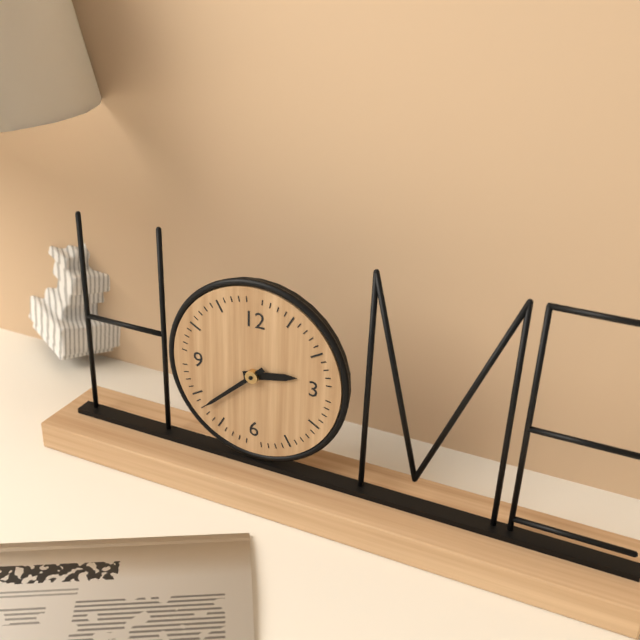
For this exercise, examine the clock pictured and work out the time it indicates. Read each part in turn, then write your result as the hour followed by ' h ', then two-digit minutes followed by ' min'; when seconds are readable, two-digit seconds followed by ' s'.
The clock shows 2 h 38 min
